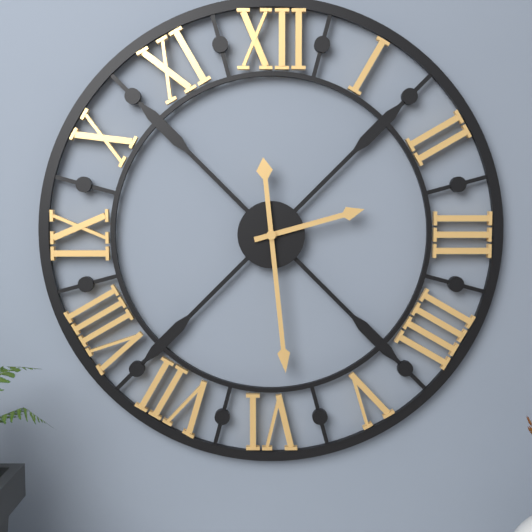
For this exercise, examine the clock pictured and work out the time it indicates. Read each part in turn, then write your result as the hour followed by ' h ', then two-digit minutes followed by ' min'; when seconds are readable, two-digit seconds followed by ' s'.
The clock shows 2 h 29 min
